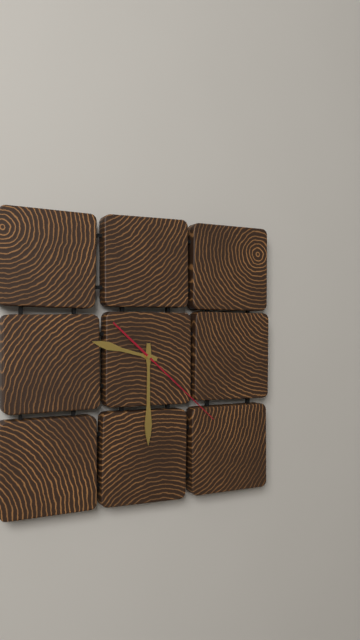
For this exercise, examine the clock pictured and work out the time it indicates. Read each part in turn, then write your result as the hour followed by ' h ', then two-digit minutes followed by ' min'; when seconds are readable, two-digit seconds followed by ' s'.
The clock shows 9 h 30 min 22 s
